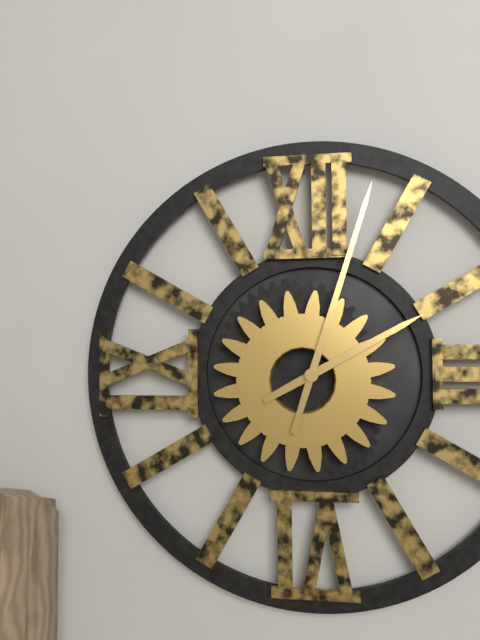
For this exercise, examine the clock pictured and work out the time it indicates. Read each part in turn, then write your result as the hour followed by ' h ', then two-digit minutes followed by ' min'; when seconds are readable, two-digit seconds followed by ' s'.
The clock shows 2 h 03 min
